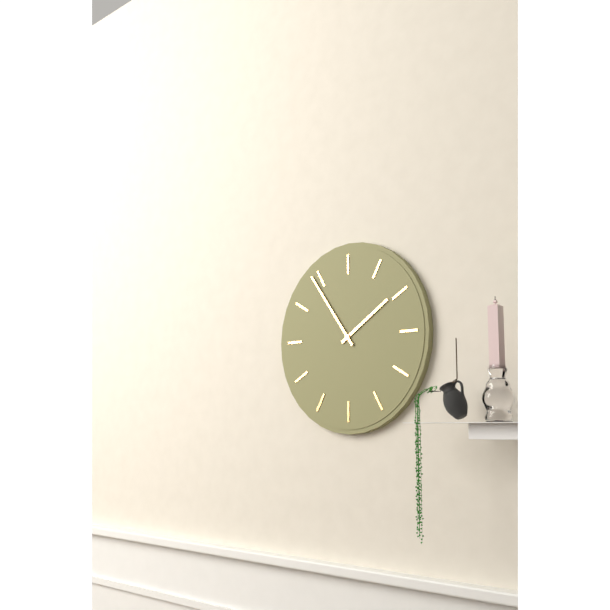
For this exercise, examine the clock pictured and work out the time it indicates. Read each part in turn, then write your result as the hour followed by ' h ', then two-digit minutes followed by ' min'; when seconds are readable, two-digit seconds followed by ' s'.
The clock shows 1 h 54 min
